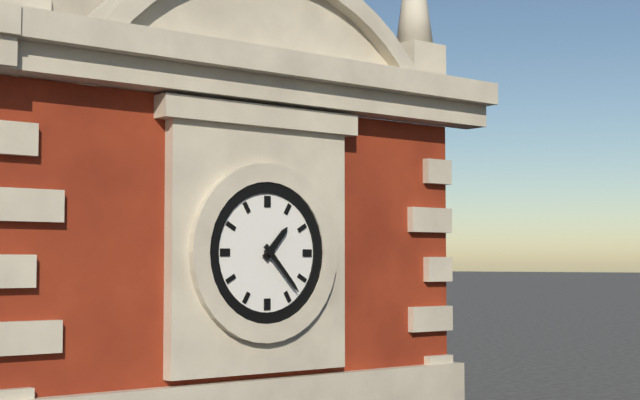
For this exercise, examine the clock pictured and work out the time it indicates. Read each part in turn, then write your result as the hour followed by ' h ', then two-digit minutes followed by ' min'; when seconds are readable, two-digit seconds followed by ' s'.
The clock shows 1 h 23 min
